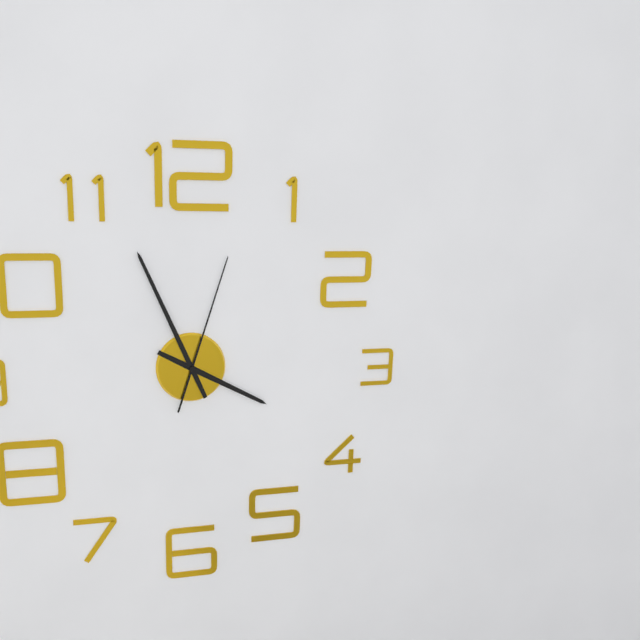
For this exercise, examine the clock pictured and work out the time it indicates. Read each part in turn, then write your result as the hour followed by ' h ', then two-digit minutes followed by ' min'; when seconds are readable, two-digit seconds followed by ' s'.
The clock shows 3 h 56 min 03 s
